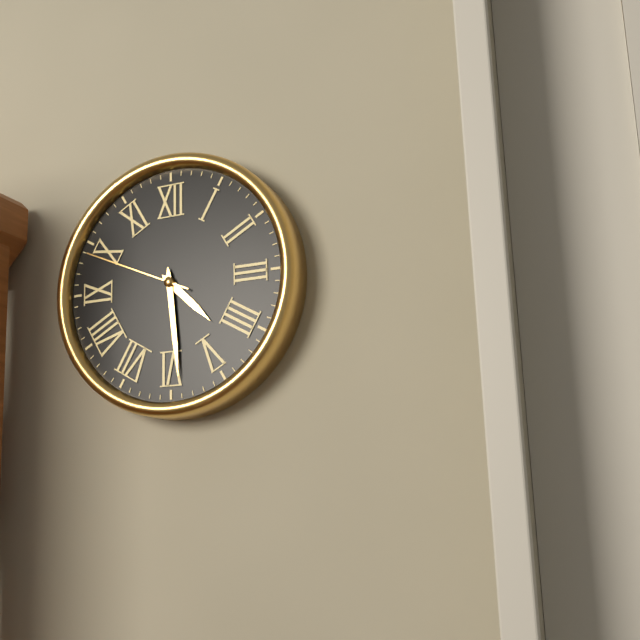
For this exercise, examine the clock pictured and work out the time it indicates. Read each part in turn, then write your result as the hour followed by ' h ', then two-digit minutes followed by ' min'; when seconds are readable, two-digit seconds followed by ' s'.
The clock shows 4 h 29 min 49 s
